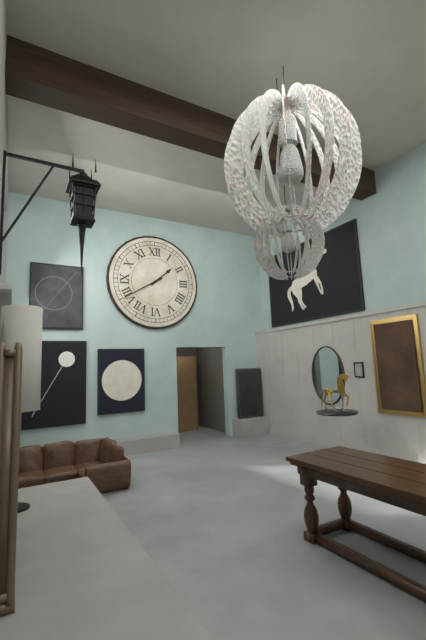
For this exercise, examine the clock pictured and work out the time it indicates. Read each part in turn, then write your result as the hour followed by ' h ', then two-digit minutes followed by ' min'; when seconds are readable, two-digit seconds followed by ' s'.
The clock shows 1 h 40 min
